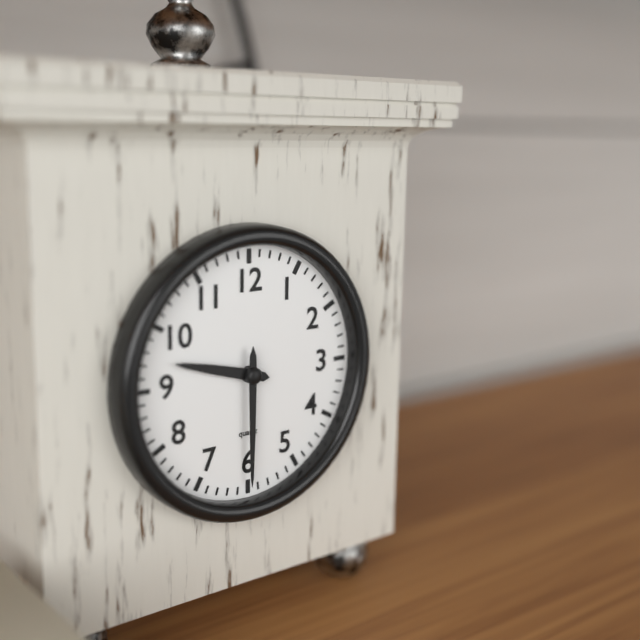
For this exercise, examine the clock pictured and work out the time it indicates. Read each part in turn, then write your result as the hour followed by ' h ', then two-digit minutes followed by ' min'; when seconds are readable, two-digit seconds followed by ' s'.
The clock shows 9 h 30 min
